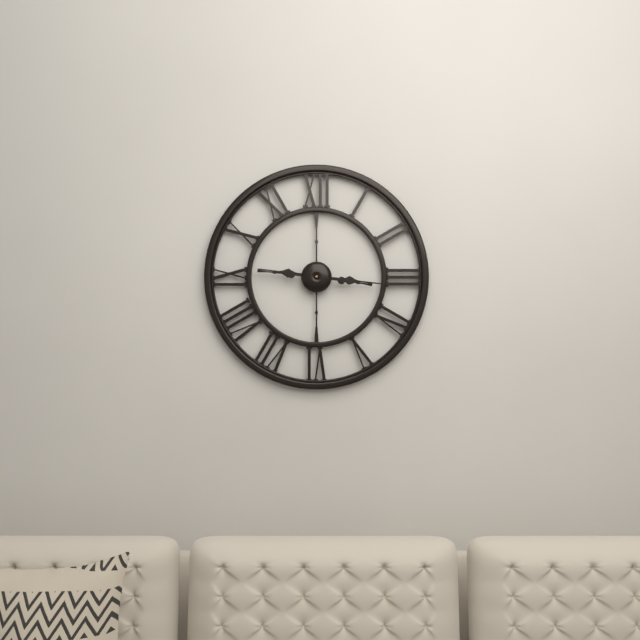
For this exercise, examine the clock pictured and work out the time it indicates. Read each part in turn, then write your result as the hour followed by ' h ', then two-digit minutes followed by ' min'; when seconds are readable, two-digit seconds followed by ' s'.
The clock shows 9 h 16 min
